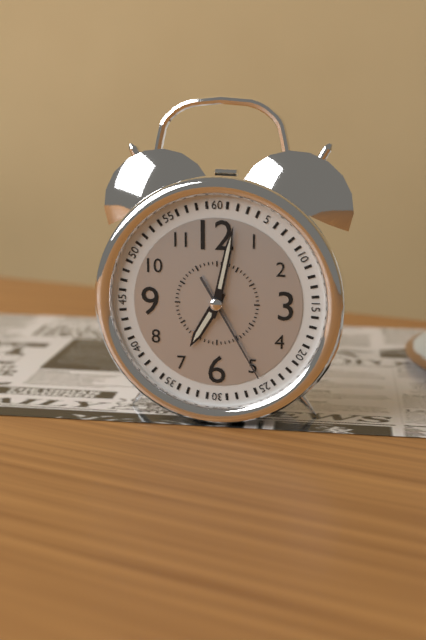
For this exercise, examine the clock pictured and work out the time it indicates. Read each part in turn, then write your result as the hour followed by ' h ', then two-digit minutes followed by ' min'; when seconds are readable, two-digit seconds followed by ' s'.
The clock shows 7 h 02 min 25 s
